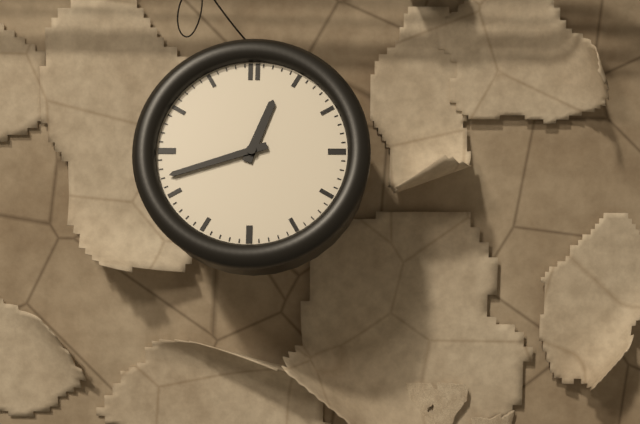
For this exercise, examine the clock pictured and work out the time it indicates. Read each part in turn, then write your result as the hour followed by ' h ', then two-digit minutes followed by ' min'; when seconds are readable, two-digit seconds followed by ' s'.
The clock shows 12 h 42 min
